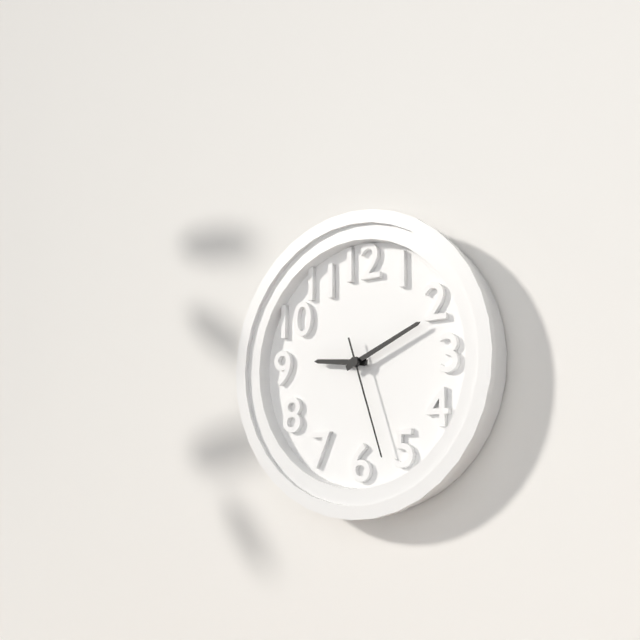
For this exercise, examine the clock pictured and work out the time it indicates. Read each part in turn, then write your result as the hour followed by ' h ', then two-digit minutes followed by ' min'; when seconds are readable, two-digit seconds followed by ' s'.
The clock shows 9 h 11 min 27 s
